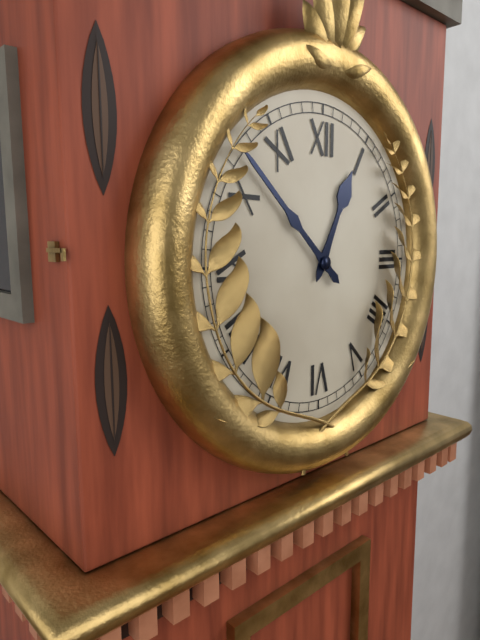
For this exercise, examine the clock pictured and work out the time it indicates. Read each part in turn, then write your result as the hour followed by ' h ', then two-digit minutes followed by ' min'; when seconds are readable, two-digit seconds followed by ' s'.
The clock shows 12 h 52 min
